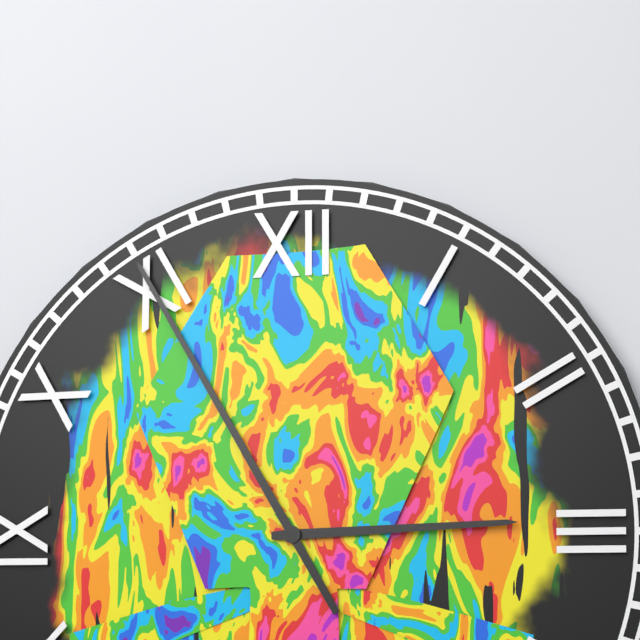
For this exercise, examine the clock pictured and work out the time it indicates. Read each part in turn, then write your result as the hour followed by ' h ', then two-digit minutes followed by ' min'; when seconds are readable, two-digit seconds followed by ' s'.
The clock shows 2 h 55 min
